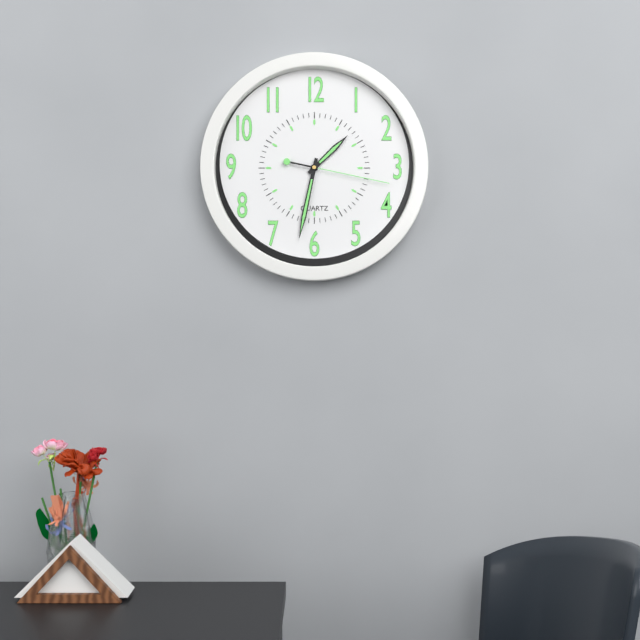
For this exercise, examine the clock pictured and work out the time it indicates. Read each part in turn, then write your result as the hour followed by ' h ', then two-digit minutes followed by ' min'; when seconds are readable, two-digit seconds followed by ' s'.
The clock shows 1 h 32 min 17 s
